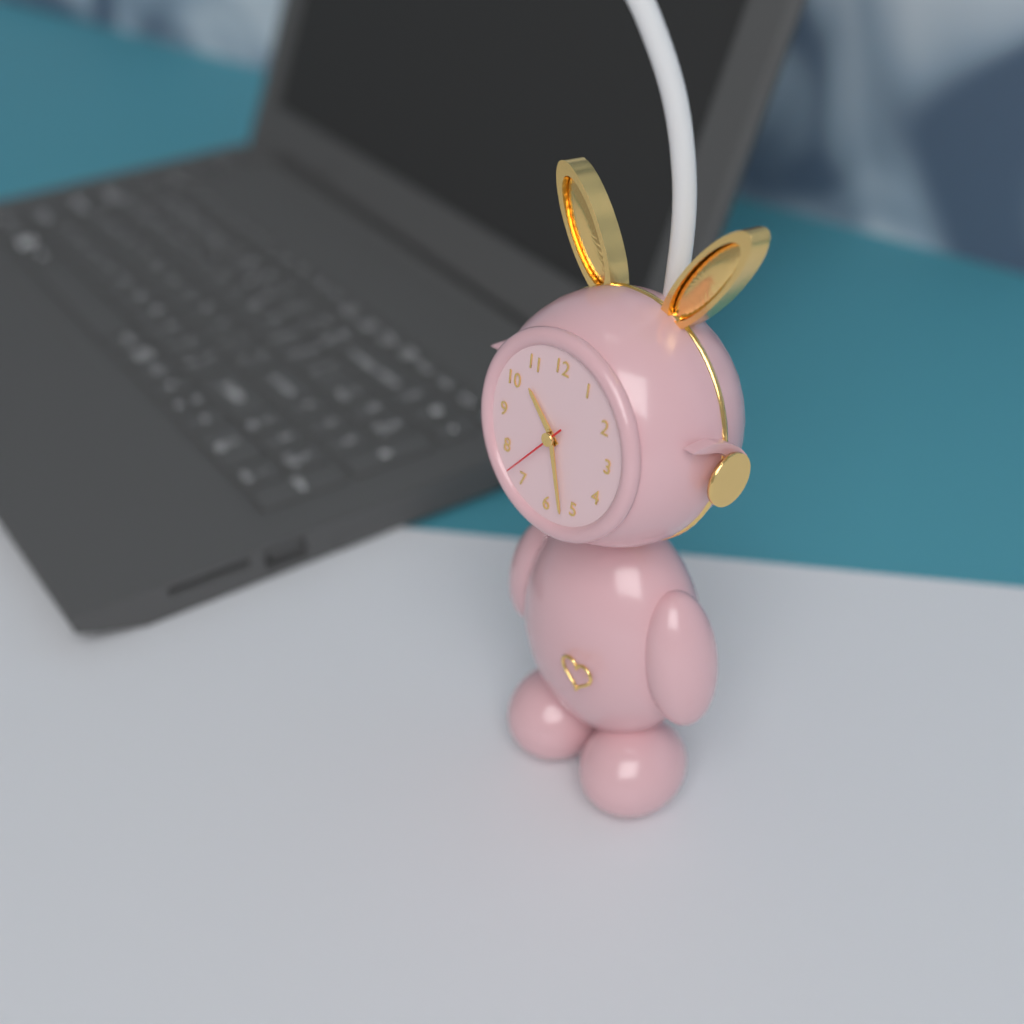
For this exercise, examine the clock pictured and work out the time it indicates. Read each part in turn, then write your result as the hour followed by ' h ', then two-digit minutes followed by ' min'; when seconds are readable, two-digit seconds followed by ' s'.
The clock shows 10 h 27 min 37 s
